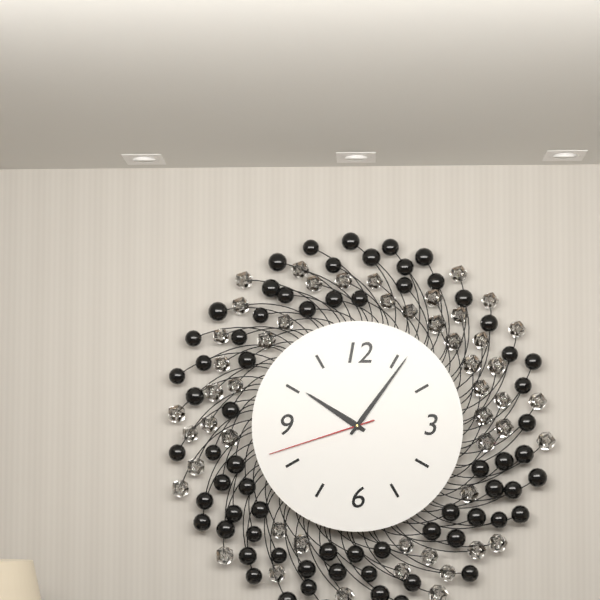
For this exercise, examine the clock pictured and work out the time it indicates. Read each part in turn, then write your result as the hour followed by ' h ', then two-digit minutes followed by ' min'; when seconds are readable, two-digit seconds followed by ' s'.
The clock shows 10 h 06 min 42 s
